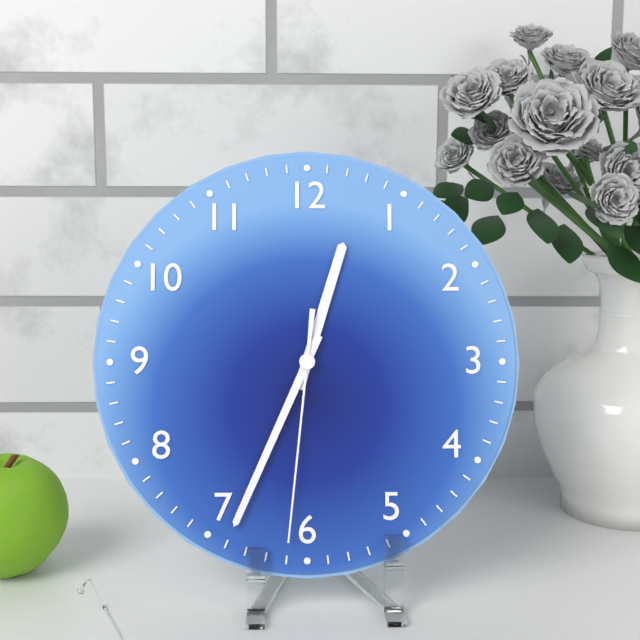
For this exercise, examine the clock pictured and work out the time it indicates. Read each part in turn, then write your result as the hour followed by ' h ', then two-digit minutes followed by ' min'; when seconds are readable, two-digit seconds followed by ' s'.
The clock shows 12 h 34 min 31 s
